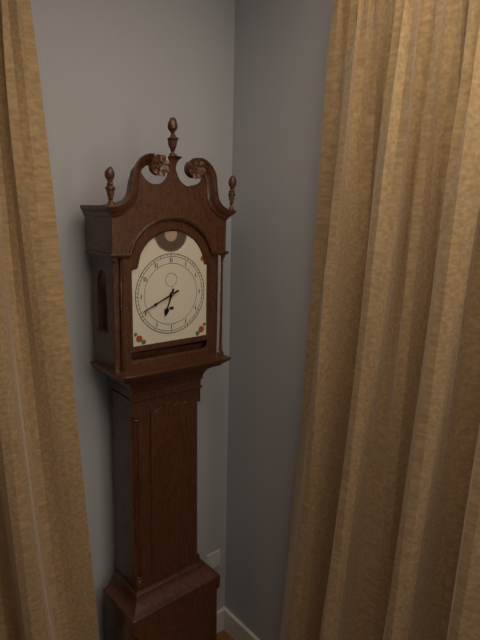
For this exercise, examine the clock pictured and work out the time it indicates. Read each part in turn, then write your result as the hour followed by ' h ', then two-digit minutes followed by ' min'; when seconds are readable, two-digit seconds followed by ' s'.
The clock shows 6 h 41 min
